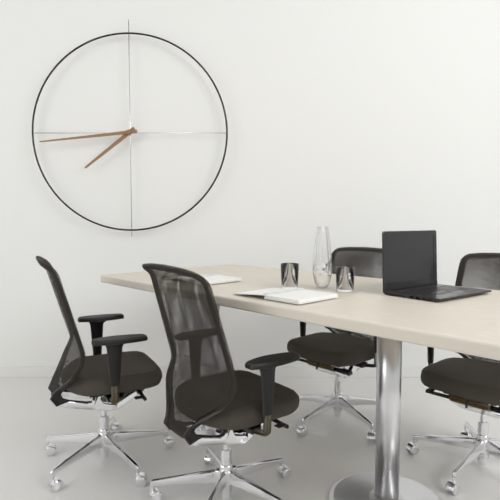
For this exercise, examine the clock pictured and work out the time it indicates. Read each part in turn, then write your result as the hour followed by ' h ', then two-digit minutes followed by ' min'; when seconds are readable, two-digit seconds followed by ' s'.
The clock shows 7 h 44 min
